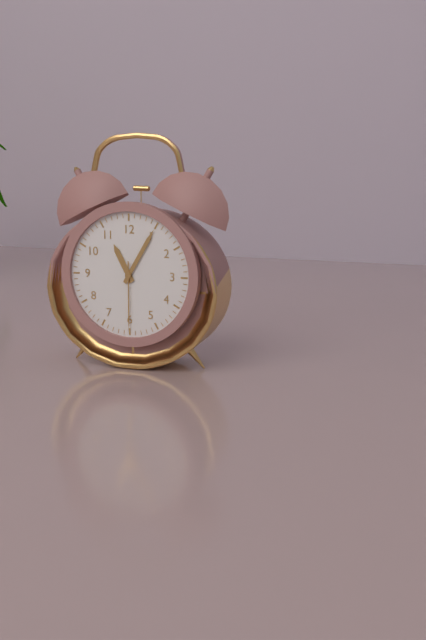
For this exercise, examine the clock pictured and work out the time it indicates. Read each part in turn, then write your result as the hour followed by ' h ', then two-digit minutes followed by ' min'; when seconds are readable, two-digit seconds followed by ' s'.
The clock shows 11 h 05 min 30 s
